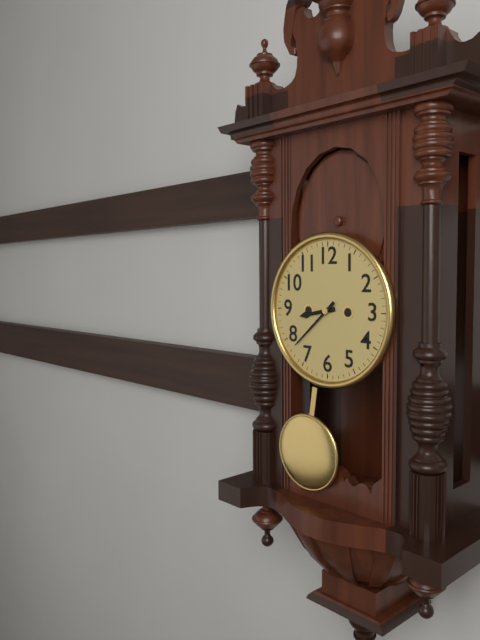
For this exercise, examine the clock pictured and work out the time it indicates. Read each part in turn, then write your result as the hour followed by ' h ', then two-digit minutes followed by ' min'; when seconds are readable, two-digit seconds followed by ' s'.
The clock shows 8 h 38 min
